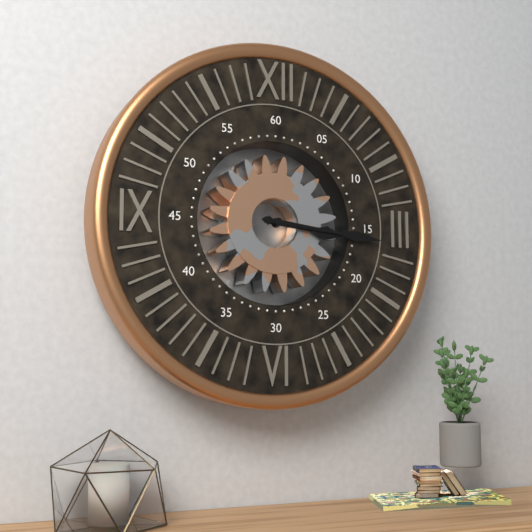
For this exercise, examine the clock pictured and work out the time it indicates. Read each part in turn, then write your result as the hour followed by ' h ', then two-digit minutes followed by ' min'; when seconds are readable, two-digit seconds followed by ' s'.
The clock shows 3 h 16 min
